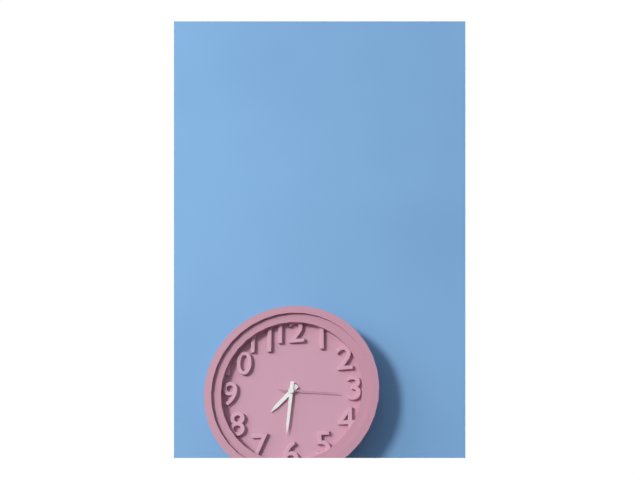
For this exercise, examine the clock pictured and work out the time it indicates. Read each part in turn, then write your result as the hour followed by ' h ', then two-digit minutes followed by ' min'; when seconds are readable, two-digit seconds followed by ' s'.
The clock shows 7 h 31 min 16 s
